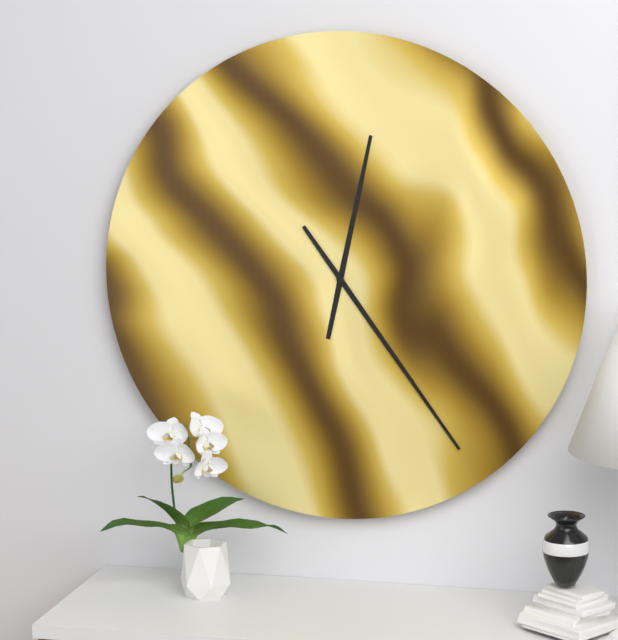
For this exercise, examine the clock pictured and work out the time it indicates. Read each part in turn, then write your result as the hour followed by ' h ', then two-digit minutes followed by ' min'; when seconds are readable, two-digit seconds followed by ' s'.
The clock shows 12 h 24 min
